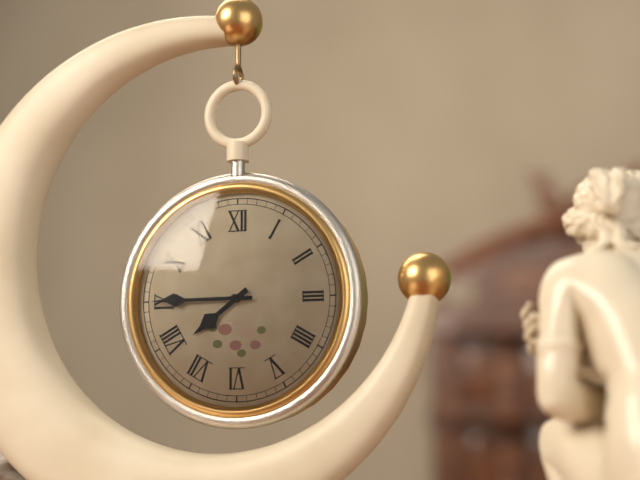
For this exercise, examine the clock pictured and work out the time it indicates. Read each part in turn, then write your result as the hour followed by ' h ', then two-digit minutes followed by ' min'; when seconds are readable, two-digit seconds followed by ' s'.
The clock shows 7 h 45 min
